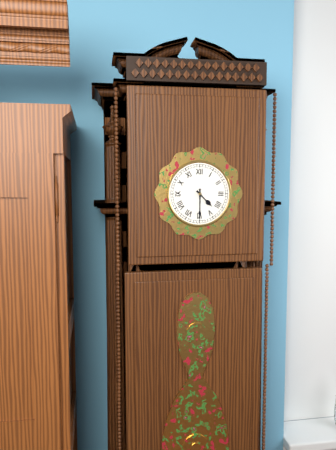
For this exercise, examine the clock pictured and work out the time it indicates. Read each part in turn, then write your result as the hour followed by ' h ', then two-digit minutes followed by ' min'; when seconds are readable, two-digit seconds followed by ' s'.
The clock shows 4 h 30 min
